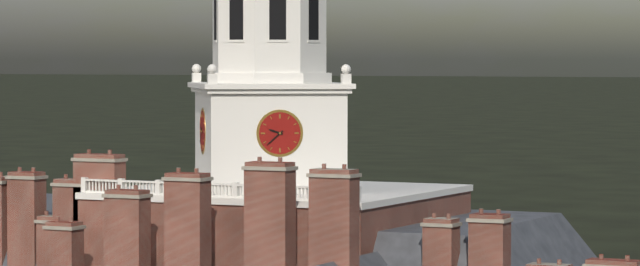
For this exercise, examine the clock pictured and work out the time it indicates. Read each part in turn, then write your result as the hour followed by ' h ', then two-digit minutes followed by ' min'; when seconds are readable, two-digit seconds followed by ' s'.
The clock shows 9 h 38 min
